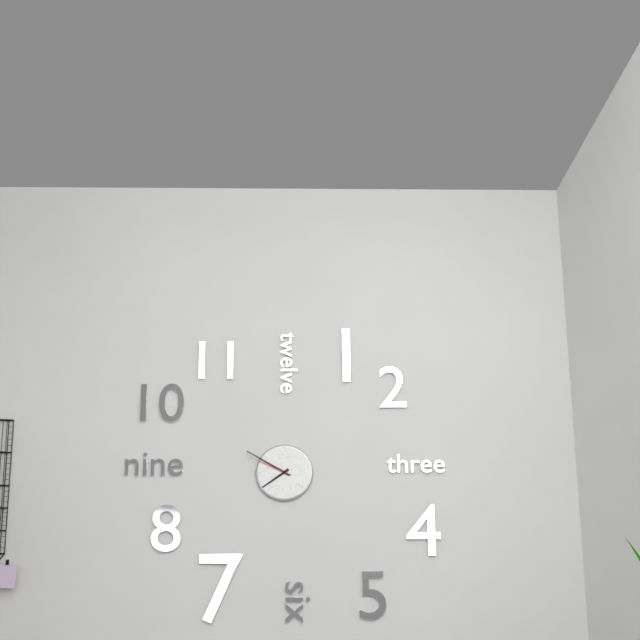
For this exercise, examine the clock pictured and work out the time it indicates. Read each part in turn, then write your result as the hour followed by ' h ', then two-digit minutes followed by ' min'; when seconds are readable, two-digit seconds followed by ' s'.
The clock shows 7 h 50 min
